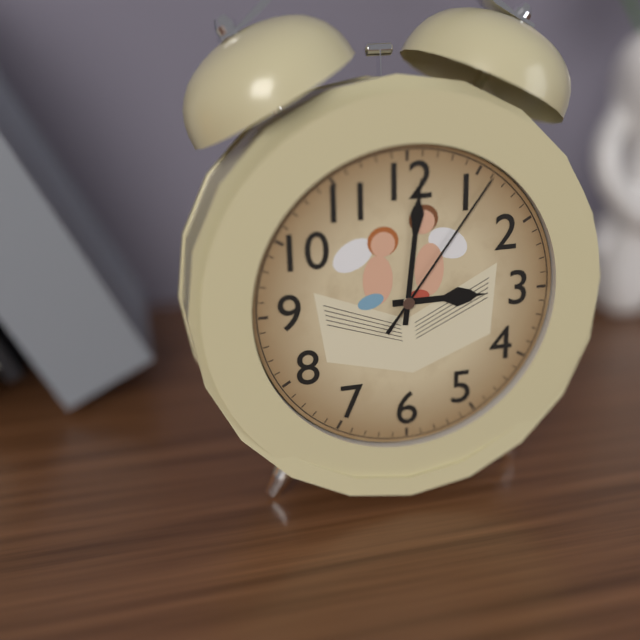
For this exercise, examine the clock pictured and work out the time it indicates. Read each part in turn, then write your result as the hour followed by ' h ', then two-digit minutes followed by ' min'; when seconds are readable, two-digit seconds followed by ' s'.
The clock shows 3 h 01 min 06 s
